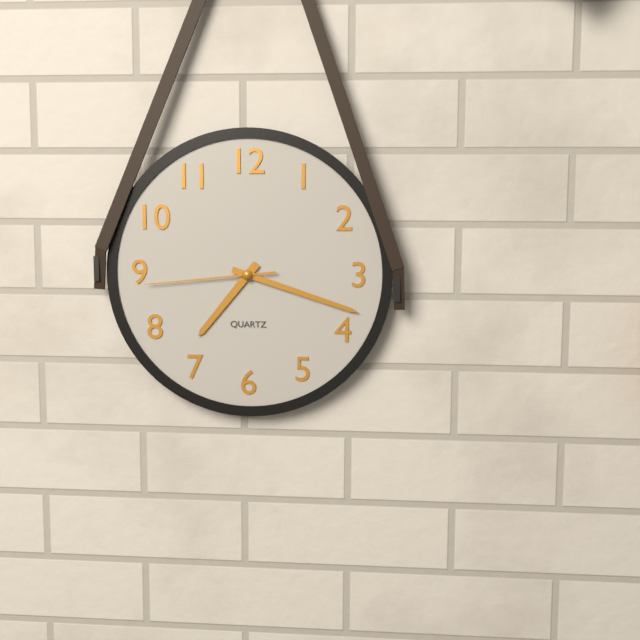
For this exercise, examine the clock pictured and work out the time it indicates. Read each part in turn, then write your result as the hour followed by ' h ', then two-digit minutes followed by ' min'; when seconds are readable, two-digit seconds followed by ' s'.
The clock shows 7 h 18 min 44 s
